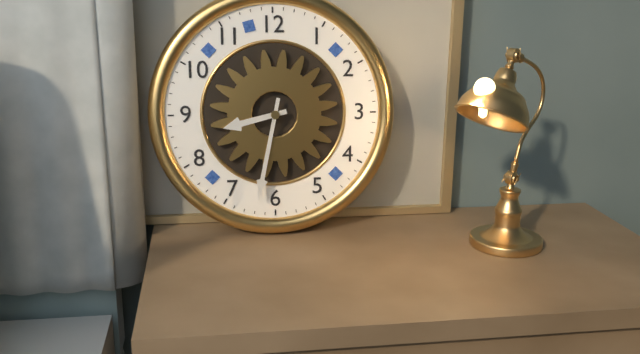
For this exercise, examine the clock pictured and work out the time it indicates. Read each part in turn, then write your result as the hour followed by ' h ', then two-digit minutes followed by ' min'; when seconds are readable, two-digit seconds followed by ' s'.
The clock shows 8 h 32 min
